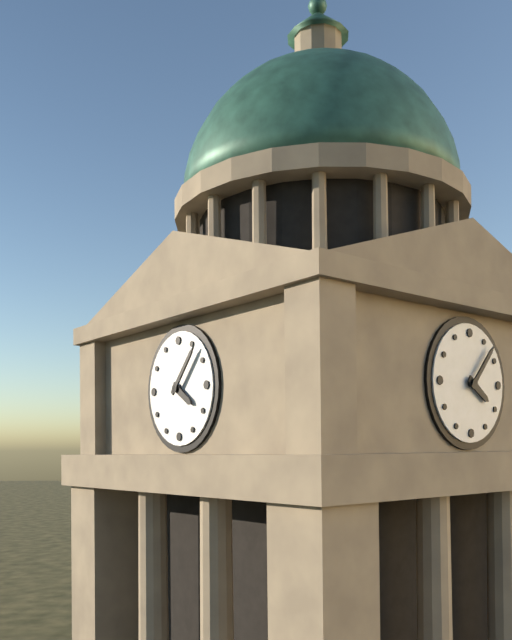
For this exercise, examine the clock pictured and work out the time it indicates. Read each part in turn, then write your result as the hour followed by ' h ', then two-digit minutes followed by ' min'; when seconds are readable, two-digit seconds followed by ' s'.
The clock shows 4 h 07 min
